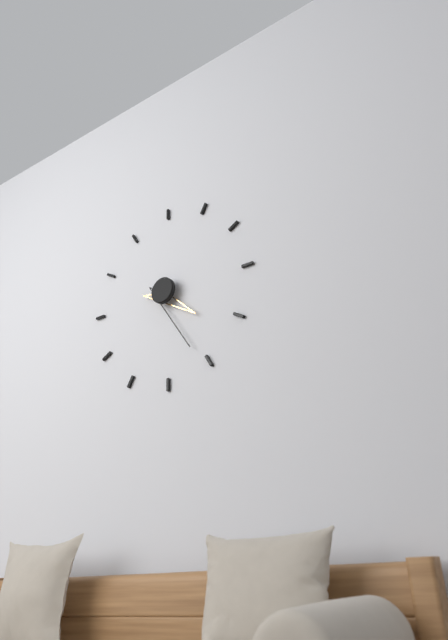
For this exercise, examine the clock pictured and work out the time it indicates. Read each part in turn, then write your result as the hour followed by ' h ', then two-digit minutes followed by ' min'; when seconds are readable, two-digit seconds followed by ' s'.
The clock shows 4 h 26 min
